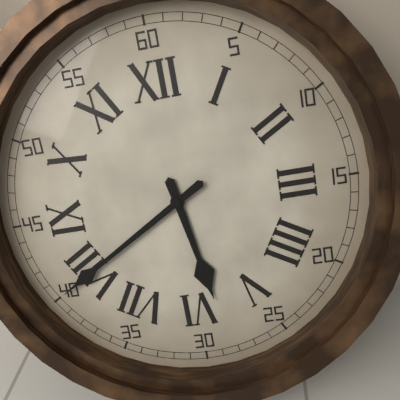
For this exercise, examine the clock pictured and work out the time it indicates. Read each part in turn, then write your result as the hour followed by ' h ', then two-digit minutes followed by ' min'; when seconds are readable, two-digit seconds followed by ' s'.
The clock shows 5 h 40 min
